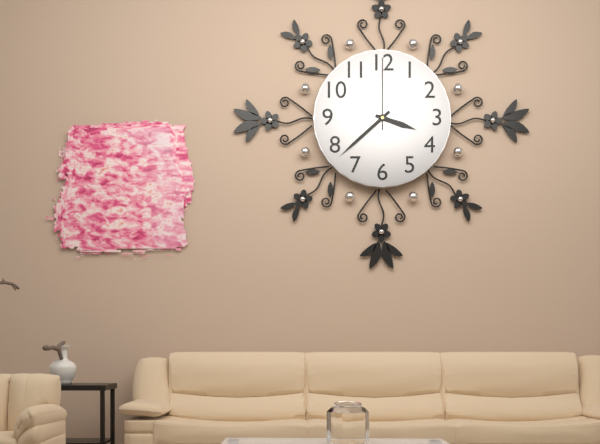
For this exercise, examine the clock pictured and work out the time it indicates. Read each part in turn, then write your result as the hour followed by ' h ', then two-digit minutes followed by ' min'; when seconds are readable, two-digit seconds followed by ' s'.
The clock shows 3 h 38 min 00 s
